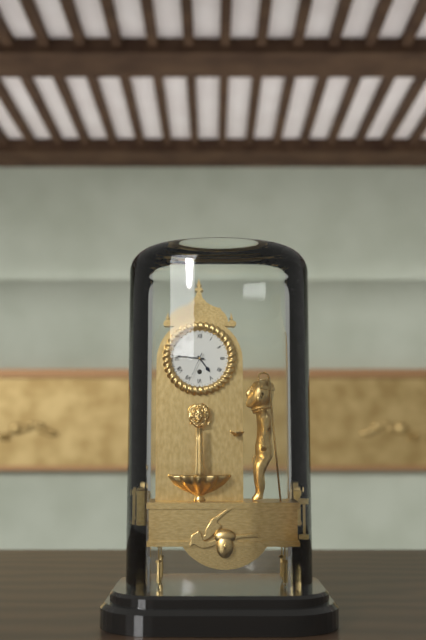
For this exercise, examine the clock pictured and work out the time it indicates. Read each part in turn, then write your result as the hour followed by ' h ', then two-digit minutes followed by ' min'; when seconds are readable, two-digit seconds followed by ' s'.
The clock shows 4 h 46 min
